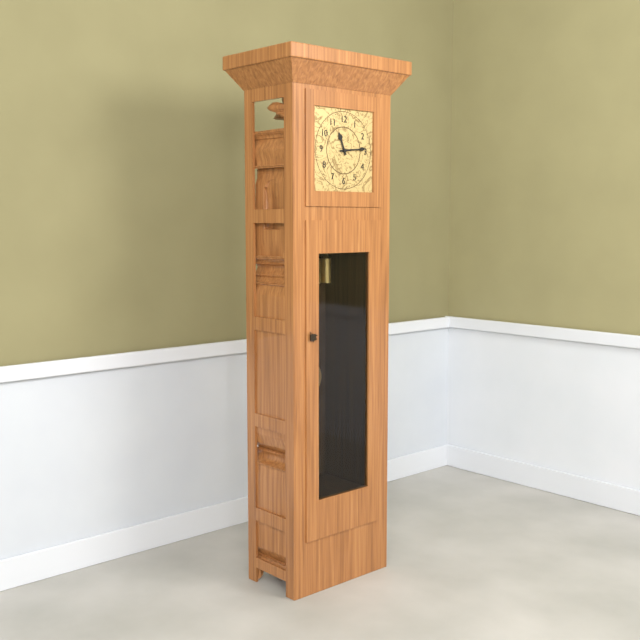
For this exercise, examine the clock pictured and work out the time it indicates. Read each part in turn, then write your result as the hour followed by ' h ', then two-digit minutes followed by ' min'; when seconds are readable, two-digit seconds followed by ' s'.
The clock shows 11 h 14 min
